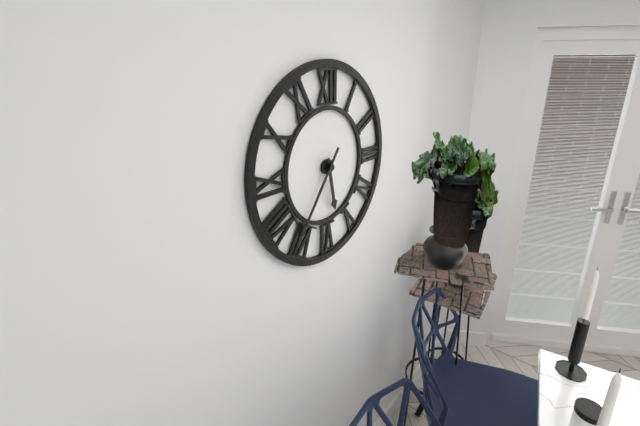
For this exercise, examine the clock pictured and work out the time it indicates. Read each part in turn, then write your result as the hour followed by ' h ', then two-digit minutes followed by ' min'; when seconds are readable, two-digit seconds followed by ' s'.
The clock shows 5 h 36 min
